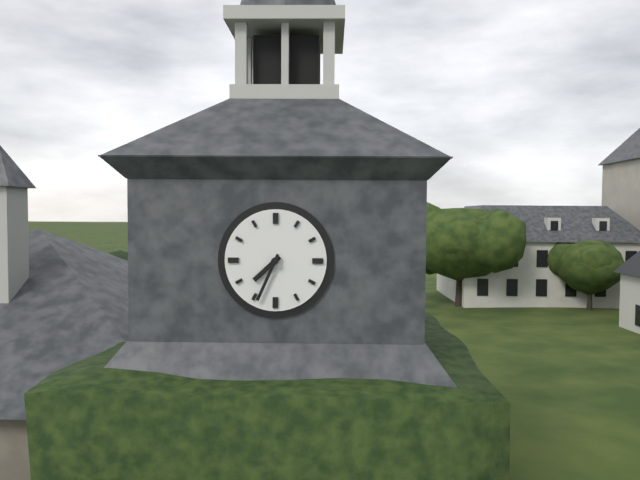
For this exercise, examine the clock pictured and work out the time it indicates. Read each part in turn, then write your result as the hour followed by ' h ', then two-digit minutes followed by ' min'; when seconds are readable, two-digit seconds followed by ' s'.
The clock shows 7 h 34 min
